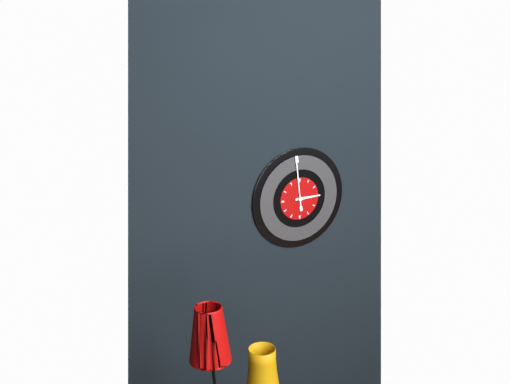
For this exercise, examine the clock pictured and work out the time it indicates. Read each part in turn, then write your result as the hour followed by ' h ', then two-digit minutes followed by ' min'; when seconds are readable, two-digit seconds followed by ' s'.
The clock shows 2 h 59 min
